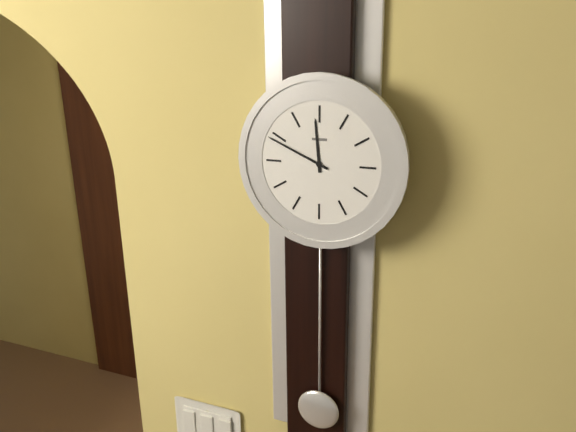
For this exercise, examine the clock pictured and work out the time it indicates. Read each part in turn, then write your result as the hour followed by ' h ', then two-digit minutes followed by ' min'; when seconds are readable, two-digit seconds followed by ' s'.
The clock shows 11 h 49 min
